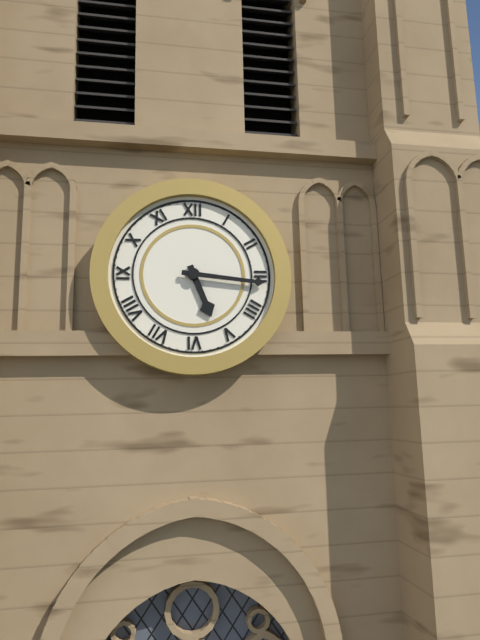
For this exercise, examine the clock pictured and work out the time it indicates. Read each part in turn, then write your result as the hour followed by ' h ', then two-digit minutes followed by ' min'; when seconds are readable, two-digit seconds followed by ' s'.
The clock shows 5 h 16 min
